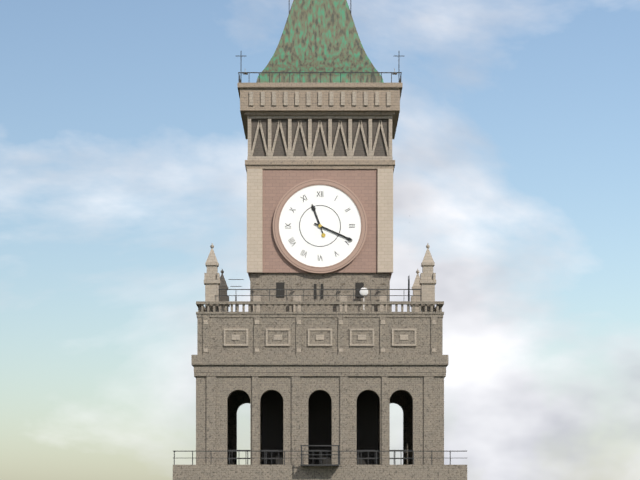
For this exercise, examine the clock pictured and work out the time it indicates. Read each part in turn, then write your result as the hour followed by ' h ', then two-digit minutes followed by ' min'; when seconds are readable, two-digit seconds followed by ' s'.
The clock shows 11 h 19 min
